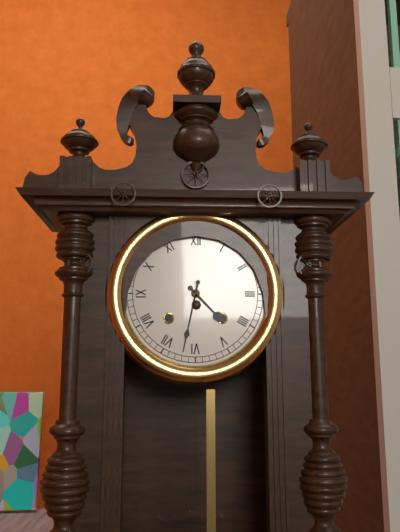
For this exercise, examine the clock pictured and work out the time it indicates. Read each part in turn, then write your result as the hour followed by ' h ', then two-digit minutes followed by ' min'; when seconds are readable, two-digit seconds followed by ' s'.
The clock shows 4 h 32 min
